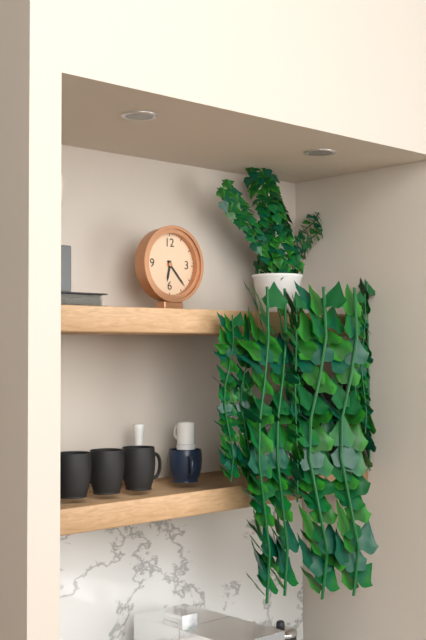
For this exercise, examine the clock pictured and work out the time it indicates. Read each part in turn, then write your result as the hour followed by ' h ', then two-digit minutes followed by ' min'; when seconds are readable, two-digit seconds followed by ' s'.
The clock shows 6 h 23 min
